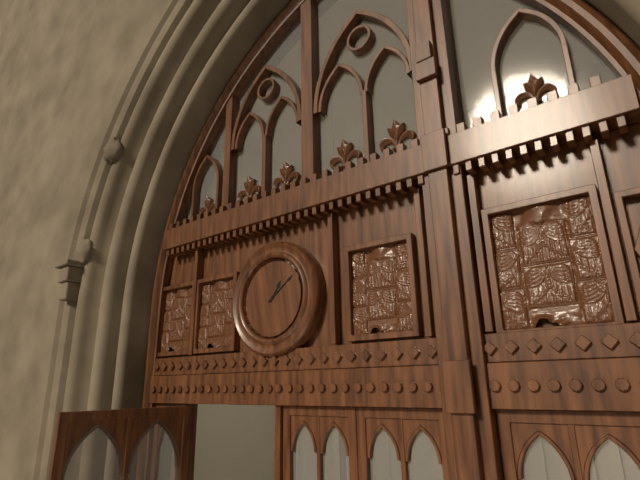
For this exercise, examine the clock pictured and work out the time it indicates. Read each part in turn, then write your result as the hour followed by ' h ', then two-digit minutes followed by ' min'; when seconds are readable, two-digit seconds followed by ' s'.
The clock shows 1 h 09 min
